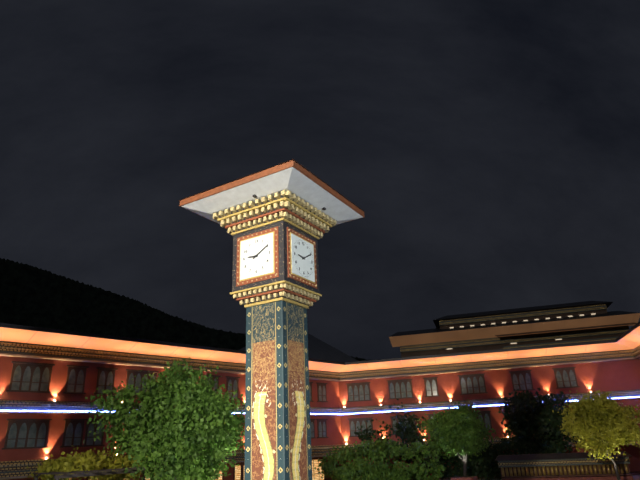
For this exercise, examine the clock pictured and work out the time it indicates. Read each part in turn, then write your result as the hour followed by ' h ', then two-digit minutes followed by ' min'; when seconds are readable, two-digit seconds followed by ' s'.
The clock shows 9 h 10 min
